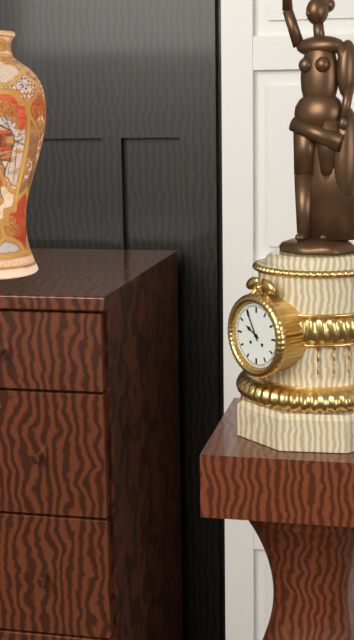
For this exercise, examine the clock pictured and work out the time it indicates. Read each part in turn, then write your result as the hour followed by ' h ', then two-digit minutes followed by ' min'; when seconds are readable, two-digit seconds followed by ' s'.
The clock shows 9 h 55 min
